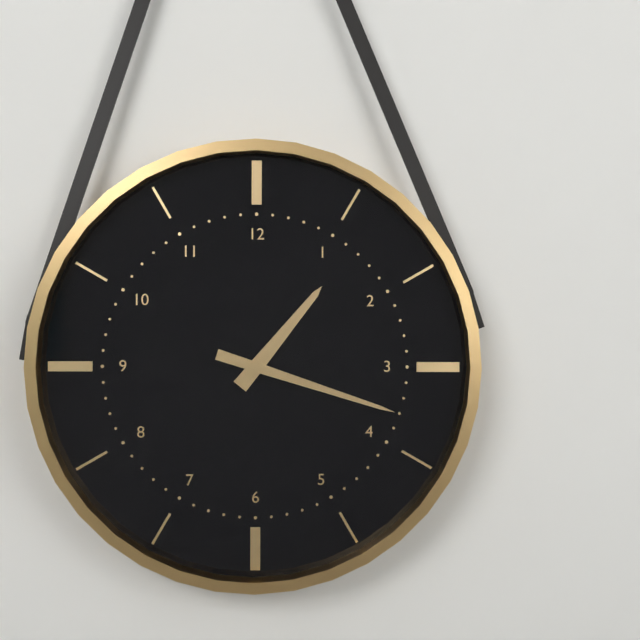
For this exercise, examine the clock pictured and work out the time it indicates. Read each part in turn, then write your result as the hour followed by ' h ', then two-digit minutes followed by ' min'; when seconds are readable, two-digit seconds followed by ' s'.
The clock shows 1 h 18 min
